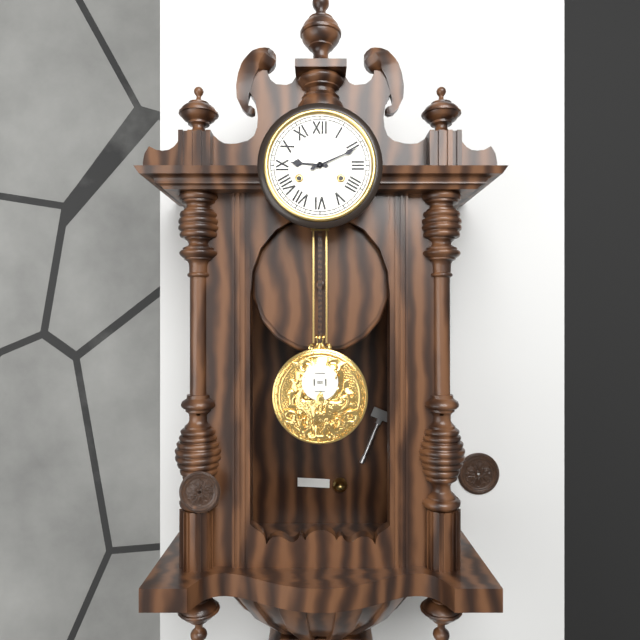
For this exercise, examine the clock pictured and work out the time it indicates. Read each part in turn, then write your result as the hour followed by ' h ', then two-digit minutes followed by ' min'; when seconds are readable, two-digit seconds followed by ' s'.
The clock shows 9 h 11 min
